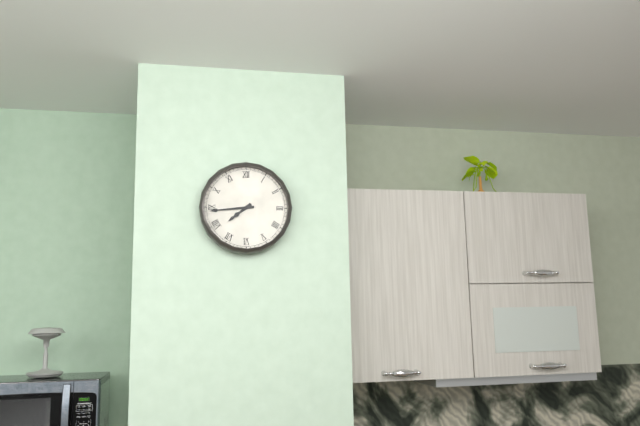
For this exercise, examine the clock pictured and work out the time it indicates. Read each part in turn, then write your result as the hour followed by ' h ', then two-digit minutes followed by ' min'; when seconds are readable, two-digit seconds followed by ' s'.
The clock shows 7 h 44 min
